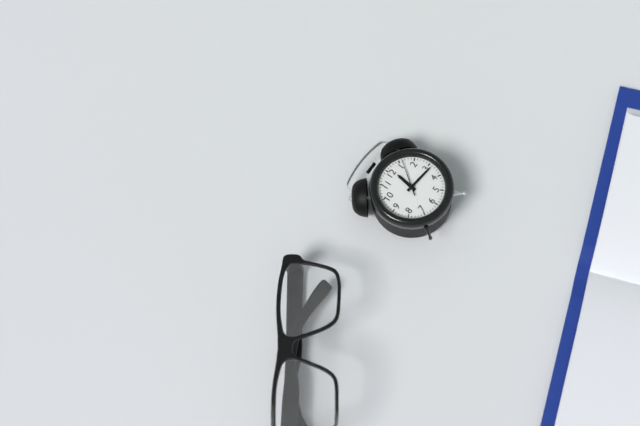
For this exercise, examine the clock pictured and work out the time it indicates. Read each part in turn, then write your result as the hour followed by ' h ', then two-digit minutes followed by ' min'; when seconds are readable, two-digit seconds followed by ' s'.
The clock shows 12 h 16 min
